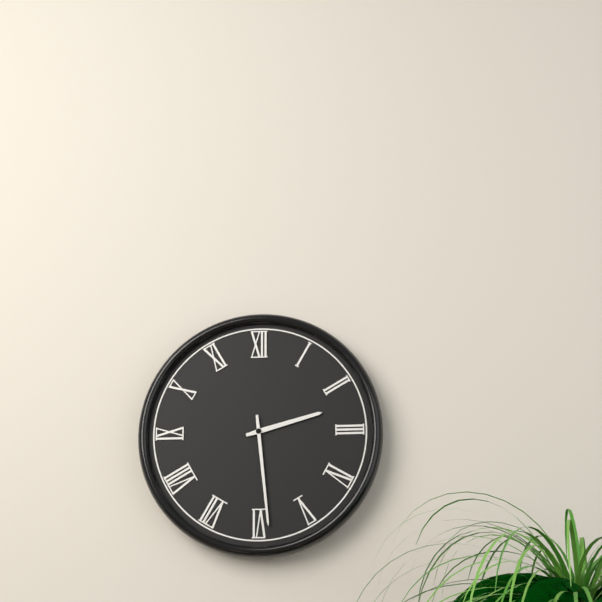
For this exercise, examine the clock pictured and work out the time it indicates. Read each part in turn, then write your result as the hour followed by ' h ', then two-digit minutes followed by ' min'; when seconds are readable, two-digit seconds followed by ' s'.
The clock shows 2 h 29 min
